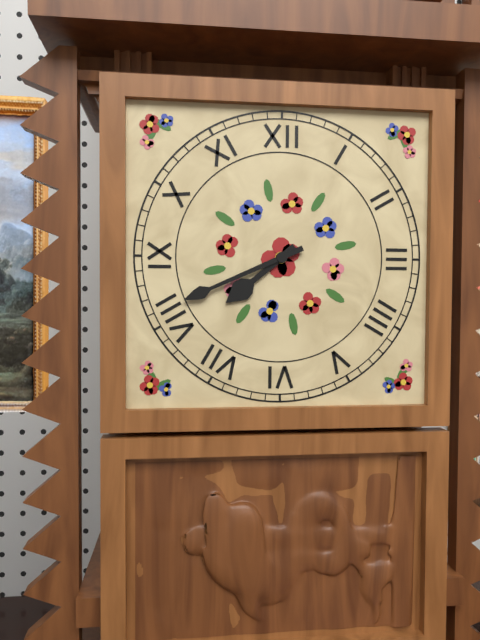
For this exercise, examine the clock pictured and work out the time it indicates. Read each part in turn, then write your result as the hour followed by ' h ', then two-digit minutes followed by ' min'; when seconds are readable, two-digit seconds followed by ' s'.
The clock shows 7 h 41 min
